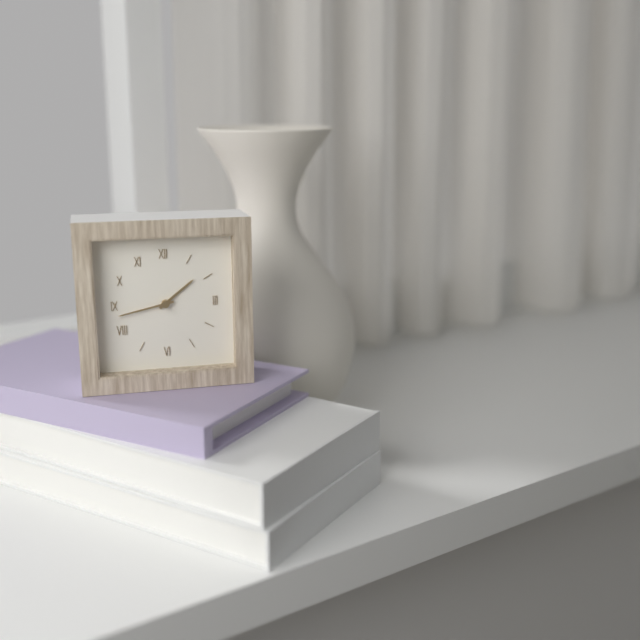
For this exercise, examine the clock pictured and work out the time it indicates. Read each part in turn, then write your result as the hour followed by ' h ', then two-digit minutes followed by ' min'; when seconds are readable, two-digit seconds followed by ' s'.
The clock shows 1 h 43 min
